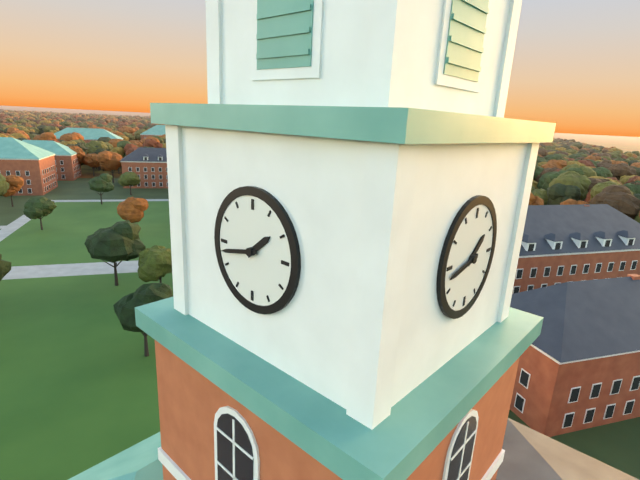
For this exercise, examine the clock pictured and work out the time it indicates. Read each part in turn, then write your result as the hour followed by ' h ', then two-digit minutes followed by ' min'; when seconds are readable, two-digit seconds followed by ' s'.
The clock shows 1 h 43 min
